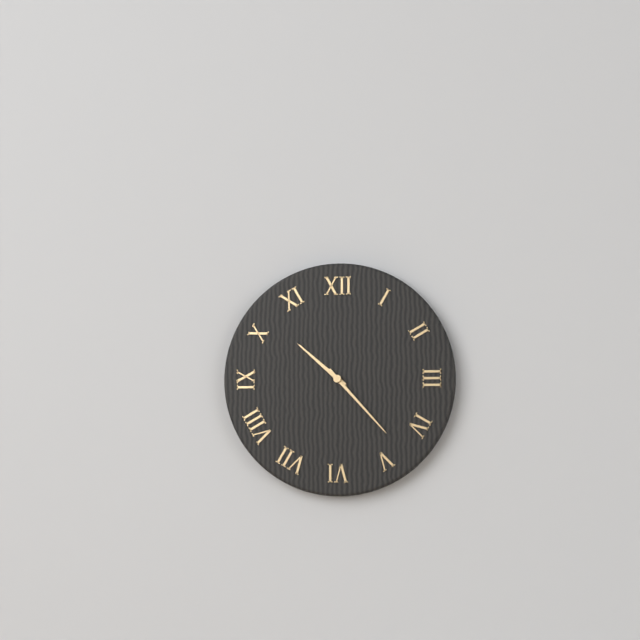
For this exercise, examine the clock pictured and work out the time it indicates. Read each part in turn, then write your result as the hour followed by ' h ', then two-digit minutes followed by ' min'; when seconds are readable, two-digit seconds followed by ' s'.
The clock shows 10 h 23 min
